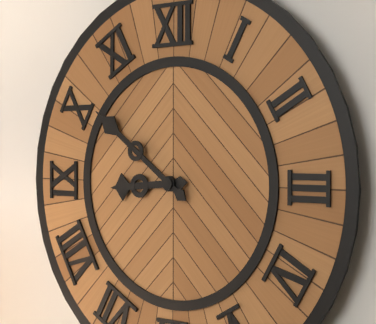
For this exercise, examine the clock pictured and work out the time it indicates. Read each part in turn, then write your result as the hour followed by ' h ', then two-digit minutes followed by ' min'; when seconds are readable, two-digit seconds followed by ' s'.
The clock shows 8 h 51 min
